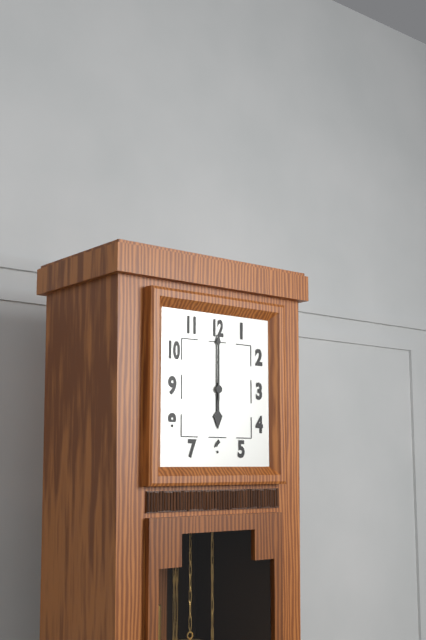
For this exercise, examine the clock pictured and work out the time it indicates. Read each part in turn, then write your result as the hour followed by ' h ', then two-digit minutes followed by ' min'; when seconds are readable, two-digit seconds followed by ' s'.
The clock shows 6 h 00 min
